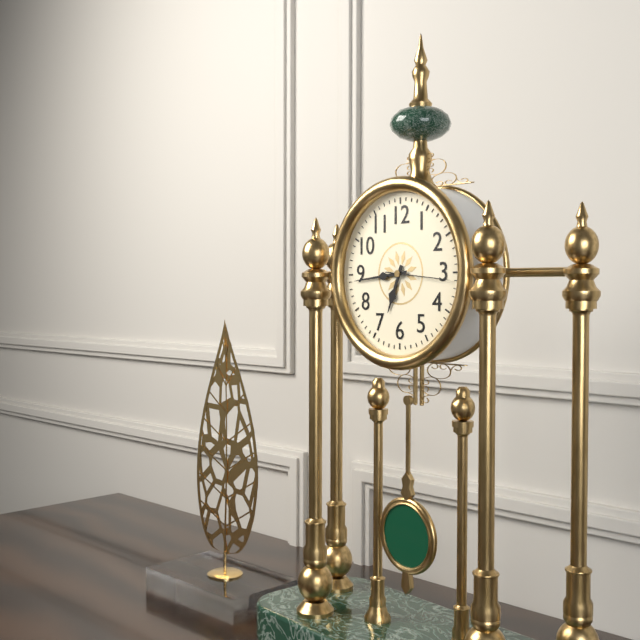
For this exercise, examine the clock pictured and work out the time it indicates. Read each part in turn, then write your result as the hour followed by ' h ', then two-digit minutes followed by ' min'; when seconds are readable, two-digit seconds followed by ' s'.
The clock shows 6 h 44 min 16 s
